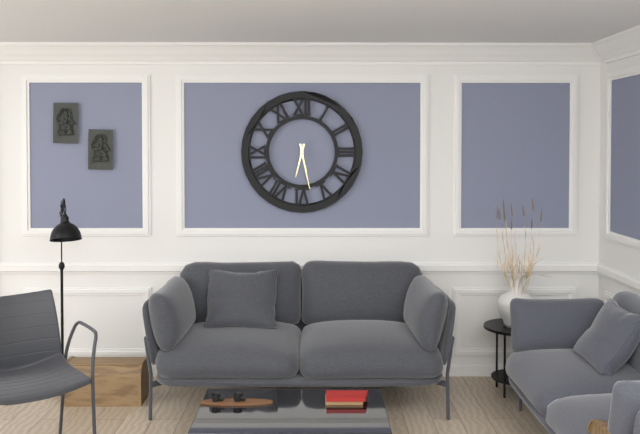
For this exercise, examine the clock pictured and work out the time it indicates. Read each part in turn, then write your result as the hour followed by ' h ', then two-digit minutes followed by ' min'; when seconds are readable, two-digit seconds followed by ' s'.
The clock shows 6 h 28 min
